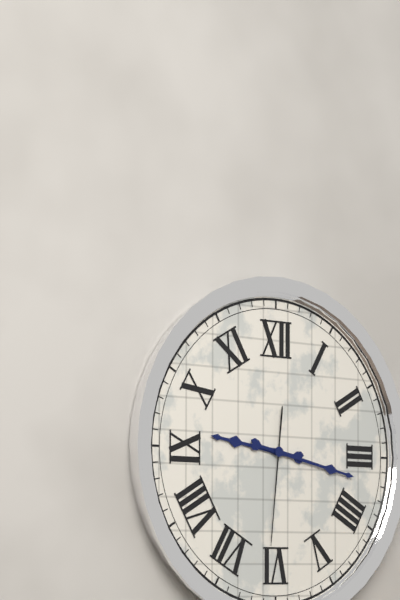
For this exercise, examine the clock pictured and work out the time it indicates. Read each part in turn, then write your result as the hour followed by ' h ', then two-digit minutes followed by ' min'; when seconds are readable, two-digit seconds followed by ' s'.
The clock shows 9 h 17 min 31 s
